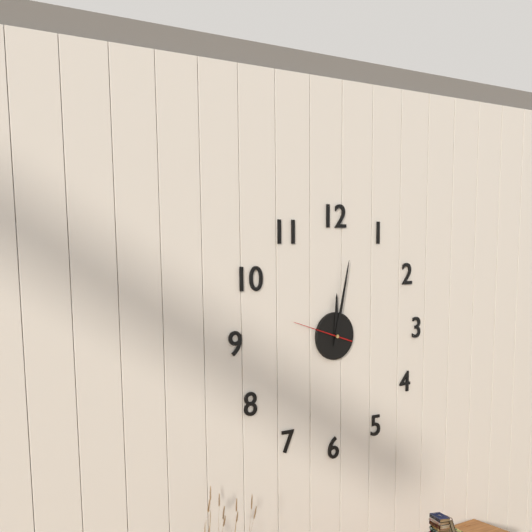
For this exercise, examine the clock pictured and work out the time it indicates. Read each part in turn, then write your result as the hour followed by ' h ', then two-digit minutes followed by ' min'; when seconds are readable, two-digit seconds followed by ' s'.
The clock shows 12 h 02 min 48 s
